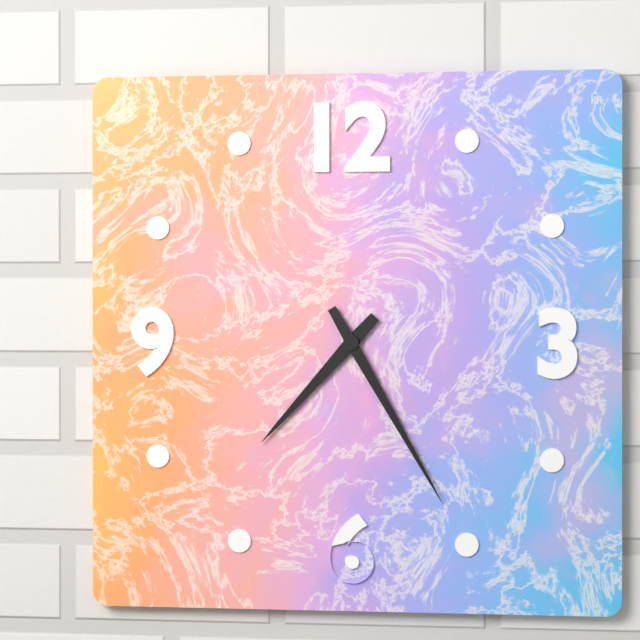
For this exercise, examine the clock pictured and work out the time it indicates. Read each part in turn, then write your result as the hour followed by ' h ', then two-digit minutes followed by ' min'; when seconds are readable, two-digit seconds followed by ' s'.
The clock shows 7 h 25 min
